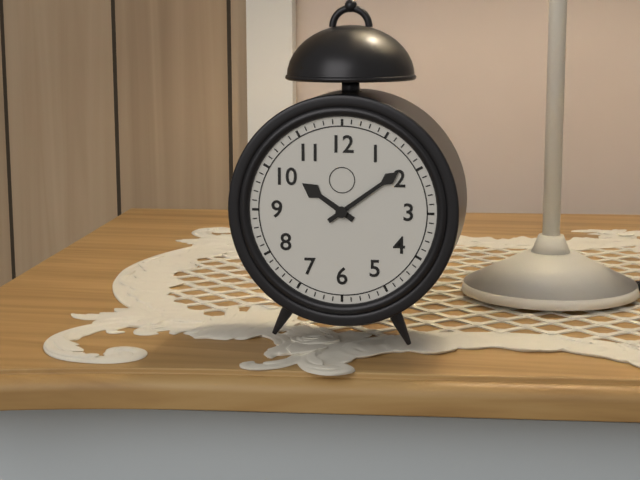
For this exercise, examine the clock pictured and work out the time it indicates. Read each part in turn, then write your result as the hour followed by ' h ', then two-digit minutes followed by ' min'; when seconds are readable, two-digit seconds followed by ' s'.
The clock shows 10 h 09 min
